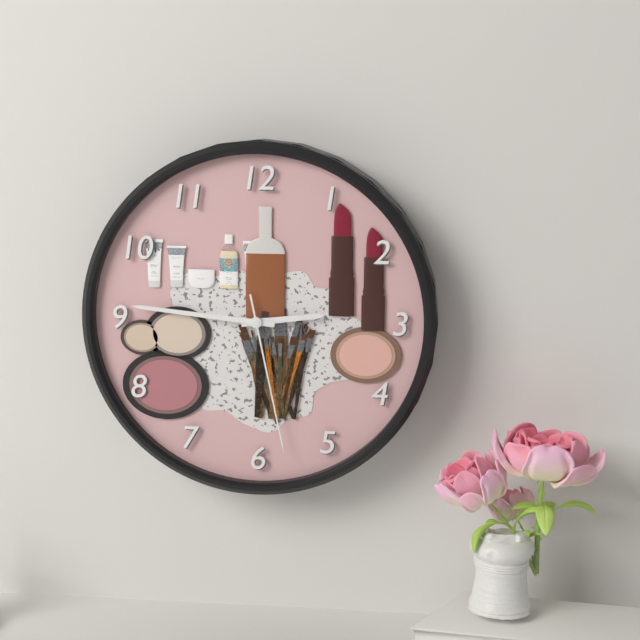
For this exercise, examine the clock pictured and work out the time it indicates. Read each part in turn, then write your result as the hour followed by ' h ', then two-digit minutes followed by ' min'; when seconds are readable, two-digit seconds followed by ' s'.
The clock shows 2 h 46 min 28 s
